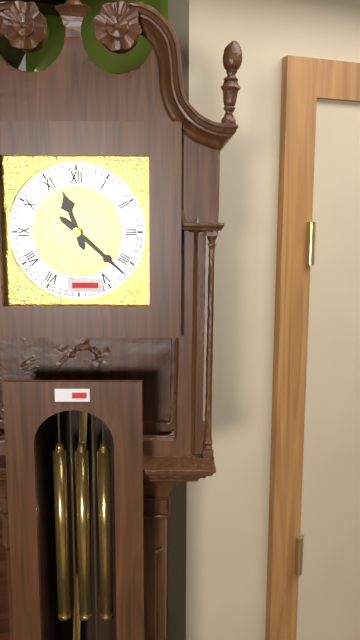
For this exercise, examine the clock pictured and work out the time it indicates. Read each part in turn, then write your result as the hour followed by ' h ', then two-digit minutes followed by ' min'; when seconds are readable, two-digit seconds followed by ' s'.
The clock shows 11 h 22 min
